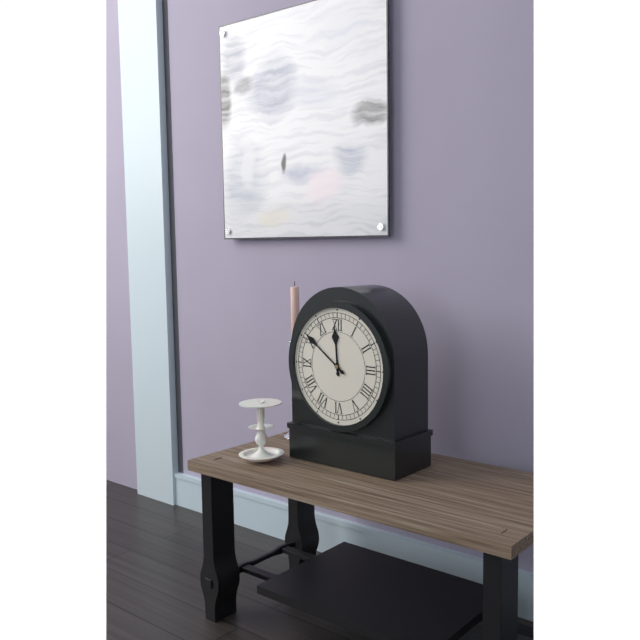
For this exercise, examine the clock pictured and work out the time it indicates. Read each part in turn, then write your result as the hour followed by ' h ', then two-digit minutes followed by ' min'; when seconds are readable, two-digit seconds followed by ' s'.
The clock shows 11 h 51 min
